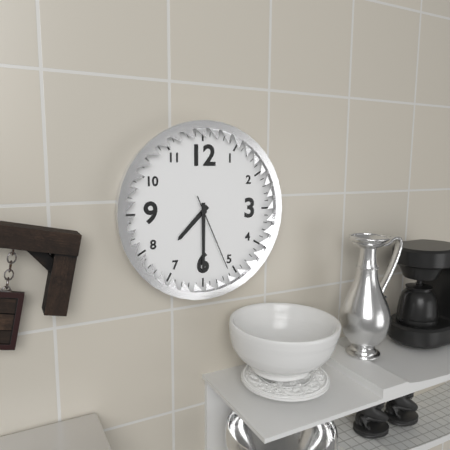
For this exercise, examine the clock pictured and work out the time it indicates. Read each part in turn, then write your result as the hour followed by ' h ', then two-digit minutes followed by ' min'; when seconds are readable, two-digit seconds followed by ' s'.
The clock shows 7 h 30 min 26 s
